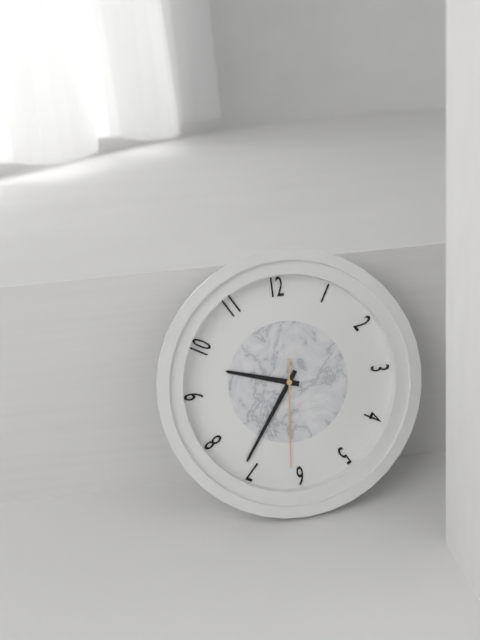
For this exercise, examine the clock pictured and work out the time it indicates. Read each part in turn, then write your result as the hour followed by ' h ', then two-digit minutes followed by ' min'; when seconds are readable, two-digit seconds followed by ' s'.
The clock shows 9 h 36 min 31 s
